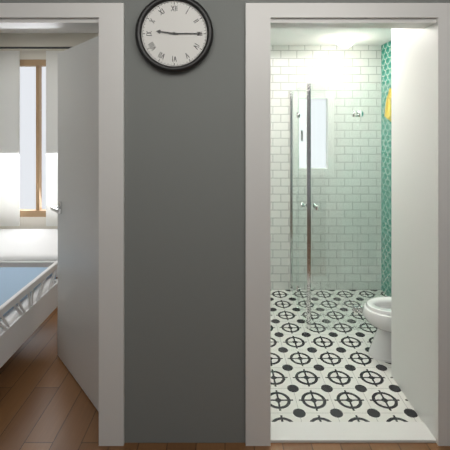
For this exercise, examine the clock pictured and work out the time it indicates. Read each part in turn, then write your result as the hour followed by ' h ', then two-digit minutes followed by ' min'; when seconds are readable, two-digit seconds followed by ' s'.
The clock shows 9 h 15 min
